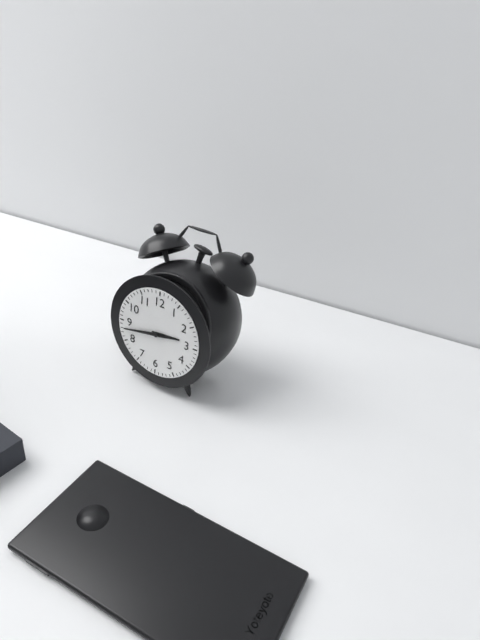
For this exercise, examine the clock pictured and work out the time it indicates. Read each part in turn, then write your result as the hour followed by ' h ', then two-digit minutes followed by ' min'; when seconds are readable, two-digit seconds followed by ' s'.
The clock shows 2 h 43 min
